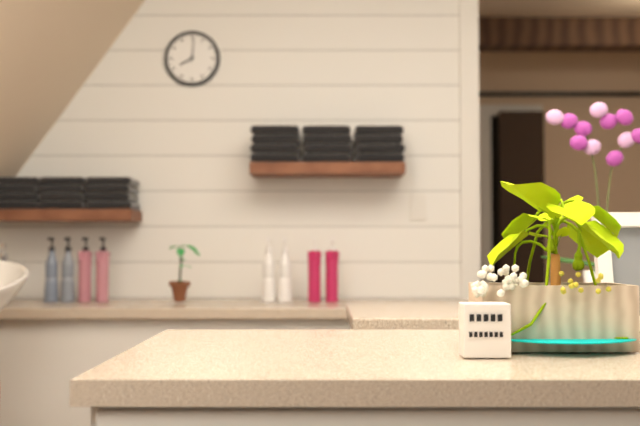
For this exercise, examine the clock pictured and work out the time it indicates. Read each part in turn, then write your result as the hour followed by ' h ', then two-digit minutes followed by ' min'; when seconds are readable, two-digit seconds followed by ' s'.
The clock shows 8 h 01 min
